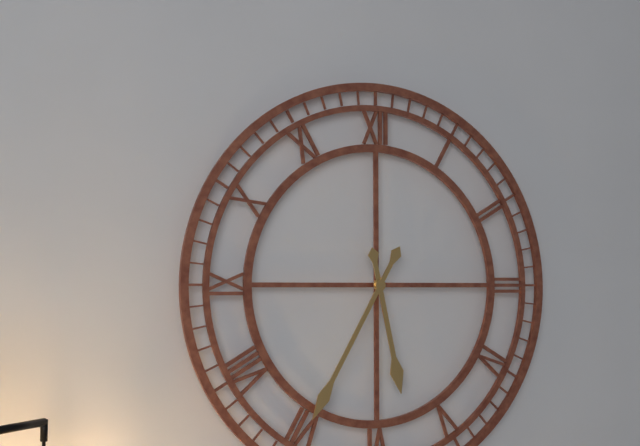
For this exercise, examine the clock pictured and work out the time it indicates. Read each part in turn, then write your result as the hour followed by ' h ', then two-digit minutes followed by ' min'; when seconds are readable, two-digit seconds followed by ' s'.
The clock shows 5 h 35 min
